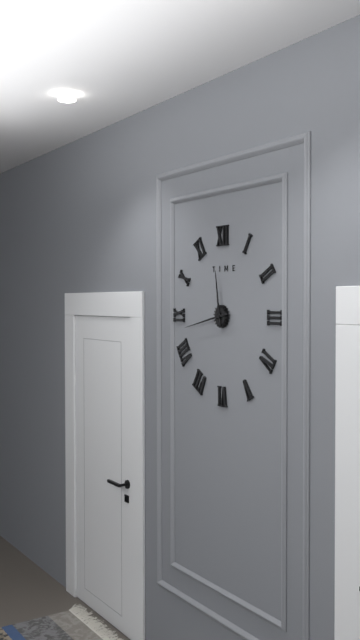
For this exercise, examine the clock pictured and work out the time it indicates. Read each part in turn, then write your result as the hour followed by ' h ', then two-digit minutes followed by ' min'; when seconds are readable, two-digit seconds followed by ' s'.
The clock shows 11 h 43 min
